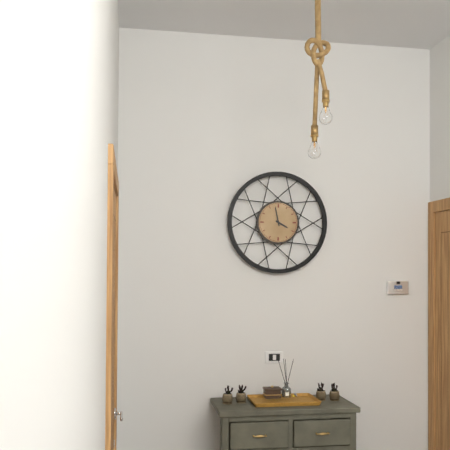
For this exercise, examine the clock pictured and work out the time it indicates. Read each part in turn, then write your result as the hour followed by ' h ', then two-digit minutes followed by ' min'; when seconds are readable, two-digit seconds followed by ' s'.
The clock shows 3 h 58 min
